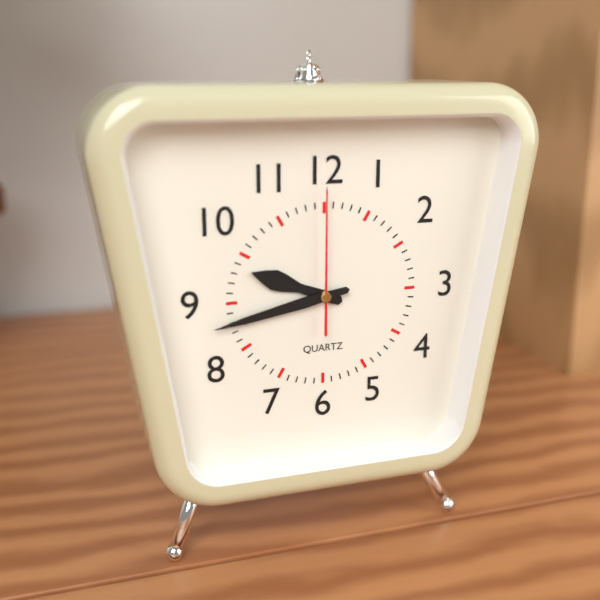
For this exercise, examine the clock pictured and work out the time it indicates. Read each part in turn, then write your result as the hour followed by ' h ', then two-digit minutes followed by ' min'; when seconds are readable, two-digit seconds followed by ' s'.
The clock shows 9 h 43 min 00 s
